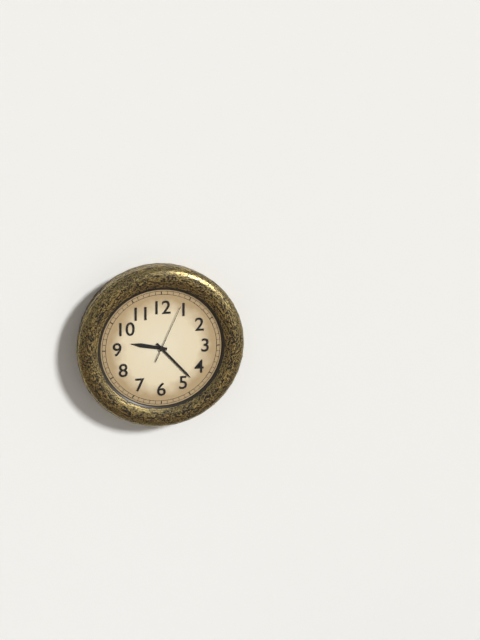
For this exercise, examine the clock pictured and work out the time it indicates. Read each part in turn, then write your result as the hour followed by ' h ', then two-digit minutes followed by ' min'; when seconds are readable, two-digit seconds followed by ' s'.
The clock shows 9 h 23 min 04 s
